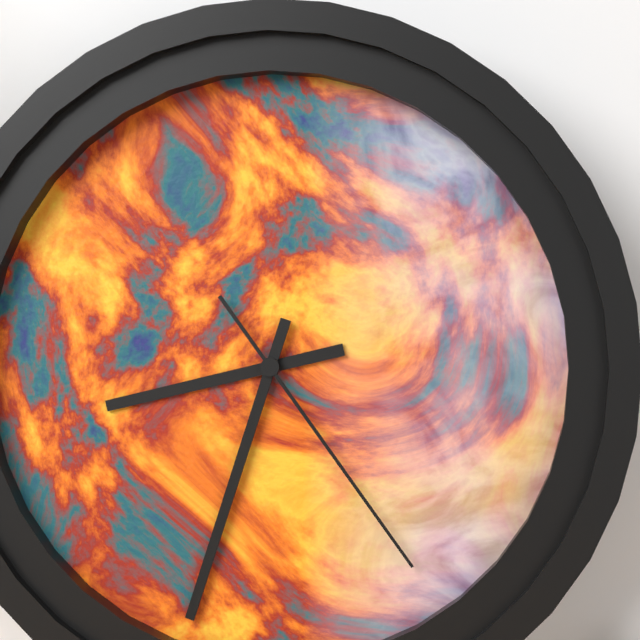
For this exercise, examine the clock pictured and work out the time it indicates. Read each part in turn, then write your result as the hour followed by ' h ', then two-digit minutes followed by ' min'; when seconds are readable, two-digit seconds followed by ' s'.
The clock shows 8 h 33 min 24 s
